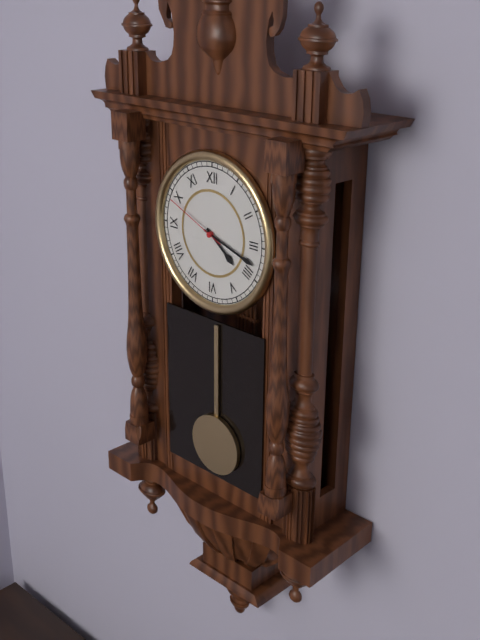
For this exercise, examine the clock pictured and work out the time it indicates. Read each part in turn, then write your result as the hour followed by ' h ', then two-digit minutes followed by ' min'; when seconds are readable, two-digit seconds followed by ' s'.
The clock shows 4 h 18 min 49 s
